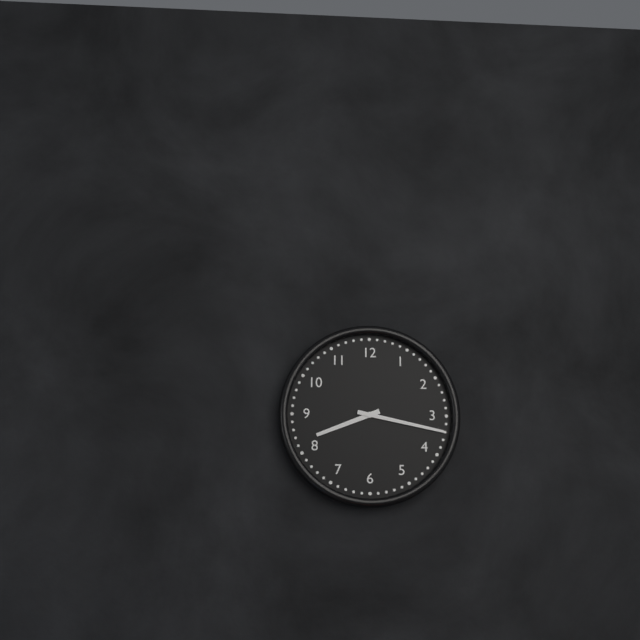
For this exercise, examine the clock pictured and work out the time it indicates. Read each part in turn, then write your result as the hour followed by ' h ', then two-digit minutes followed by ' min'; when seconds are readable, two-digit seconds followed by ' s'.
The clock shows 8 h 17 min
